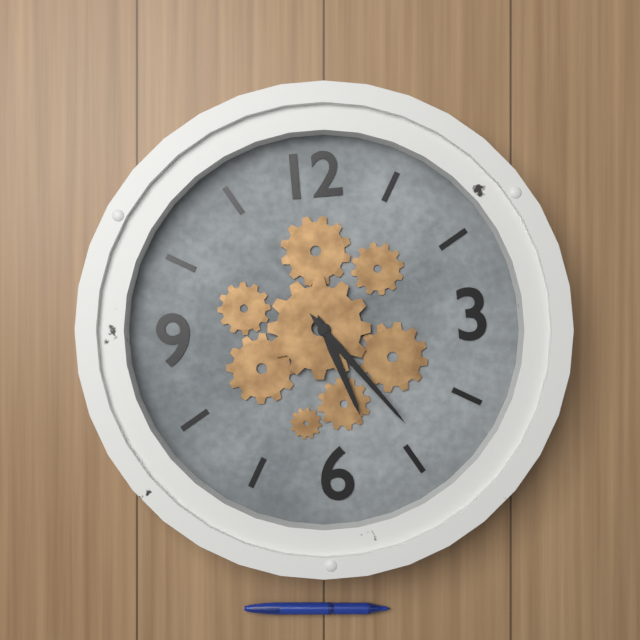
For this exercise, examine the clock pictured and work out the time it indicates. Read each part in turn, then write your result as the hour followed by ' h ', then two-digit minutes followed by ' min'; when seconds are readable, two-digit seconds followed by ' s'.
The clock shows 5 h 24 min
